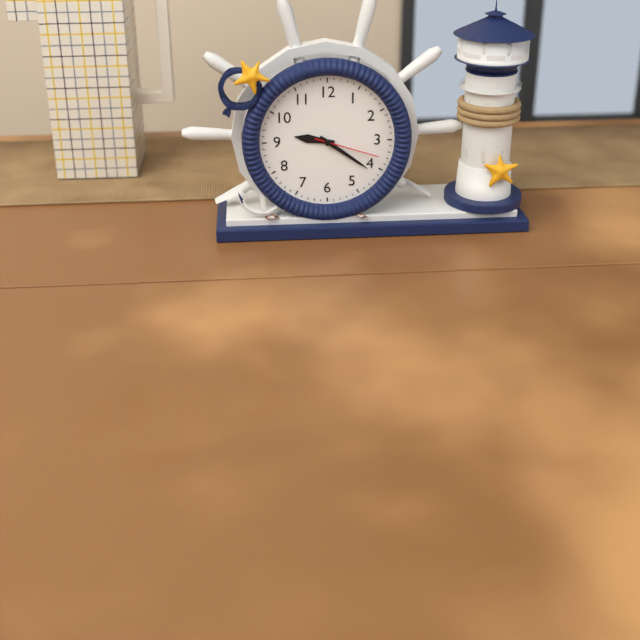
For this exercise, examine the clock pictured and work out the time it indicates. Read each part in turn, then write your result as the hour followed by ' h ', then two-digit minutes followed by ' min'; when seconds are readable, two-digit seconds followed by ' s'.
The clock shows 9 h 21 min 18 s
